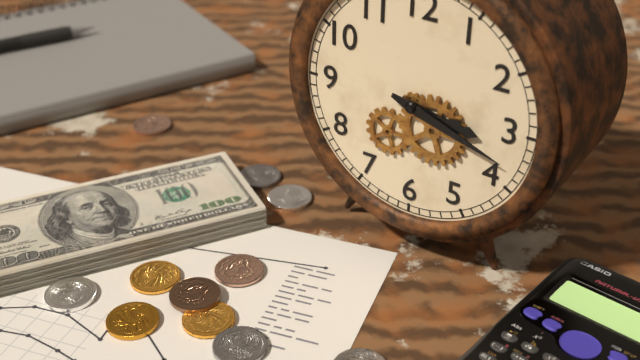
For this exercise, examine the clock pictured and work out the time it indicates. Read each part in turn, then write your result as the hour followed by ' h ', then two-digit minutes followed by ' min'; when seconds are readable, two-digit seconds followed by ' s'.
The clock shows 3 h 18 min
